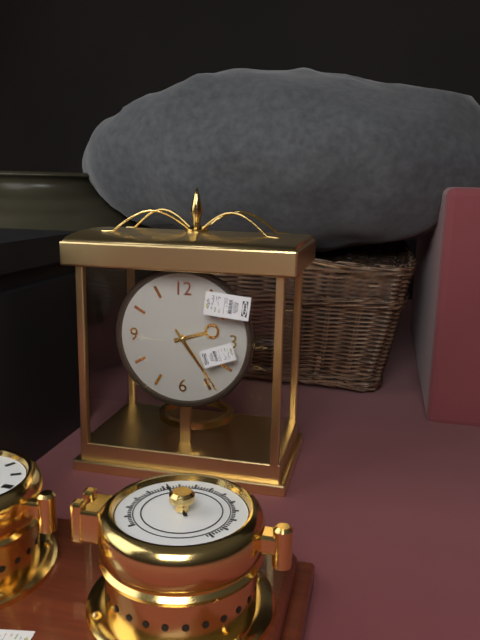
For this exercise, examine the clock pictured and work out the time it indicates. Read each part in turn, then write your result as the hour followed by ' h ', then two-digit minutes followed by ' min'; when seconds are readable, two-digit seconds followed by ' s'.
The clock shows 2 h 24 min
